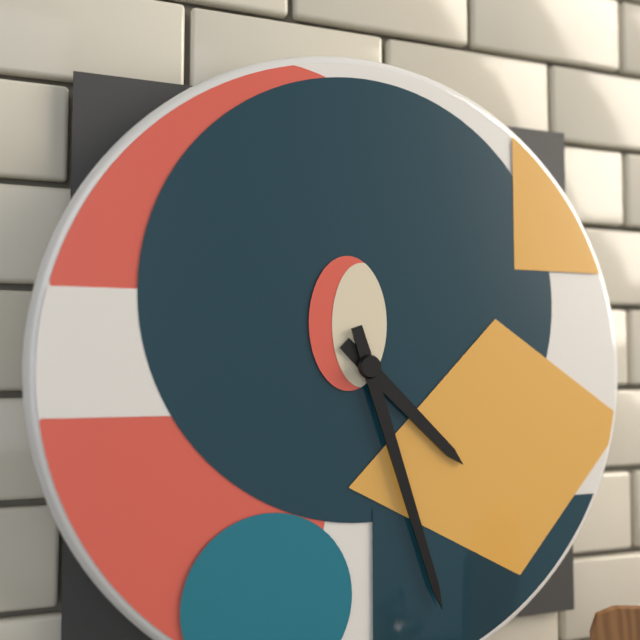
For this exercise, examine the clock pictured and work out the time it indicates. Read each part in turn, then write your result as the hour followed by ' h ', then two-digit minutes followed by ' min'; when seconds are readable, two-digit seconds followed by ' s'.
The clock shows 4 h 27 min
